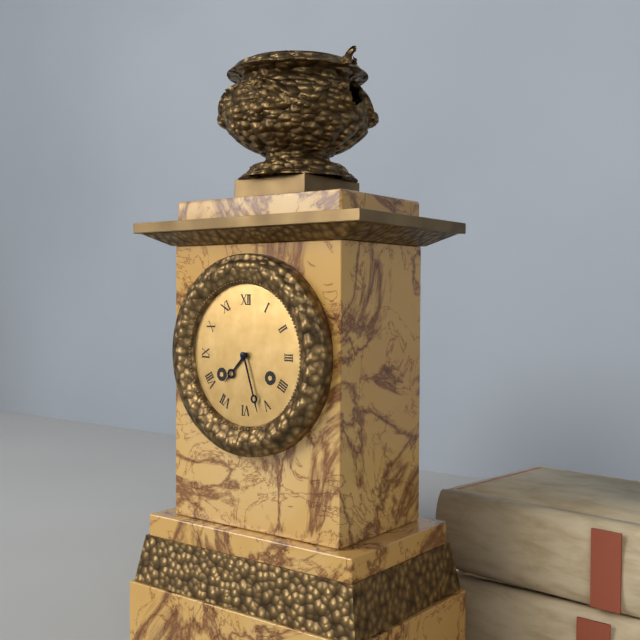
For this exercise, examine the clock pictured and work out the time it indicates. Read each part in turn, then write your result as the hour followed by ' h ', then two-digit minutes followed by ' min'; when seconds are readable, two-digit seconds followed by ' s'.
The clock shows 7 h 27 min
